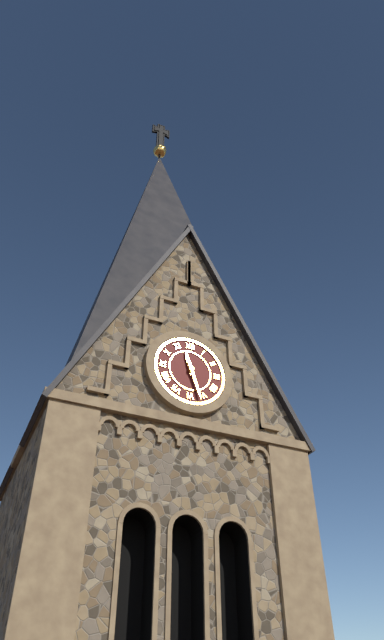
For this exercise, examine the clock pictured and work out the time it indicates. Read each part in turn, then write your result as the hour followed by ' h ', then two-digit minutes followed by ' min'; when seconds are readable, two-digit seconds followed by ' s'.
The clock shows 11 h 27 min
